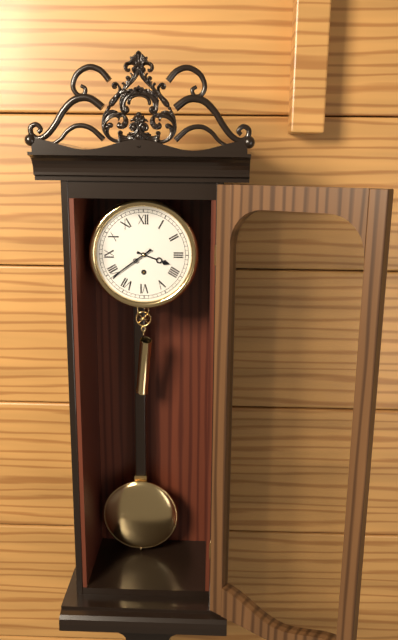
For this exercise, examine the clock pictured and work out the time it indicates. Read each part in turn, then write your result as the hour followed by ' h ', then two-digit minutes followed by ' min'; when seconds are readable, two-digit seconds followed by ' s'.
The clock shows 3 h 39 min
